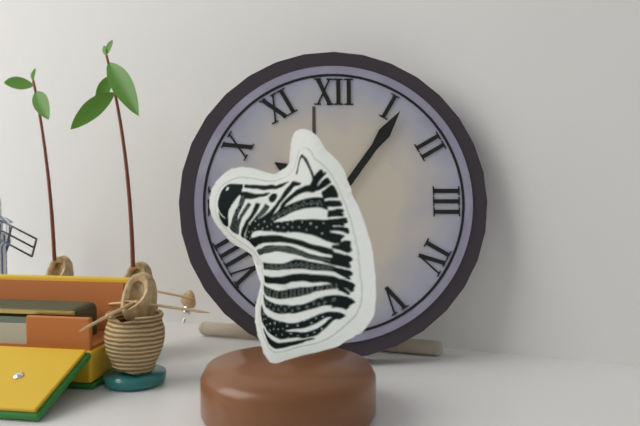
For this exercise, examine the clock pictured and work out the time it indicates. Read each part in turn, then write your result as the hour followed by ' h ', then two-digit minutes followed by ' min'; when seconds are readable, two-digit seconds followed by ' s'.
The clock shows 10 h 06 min
